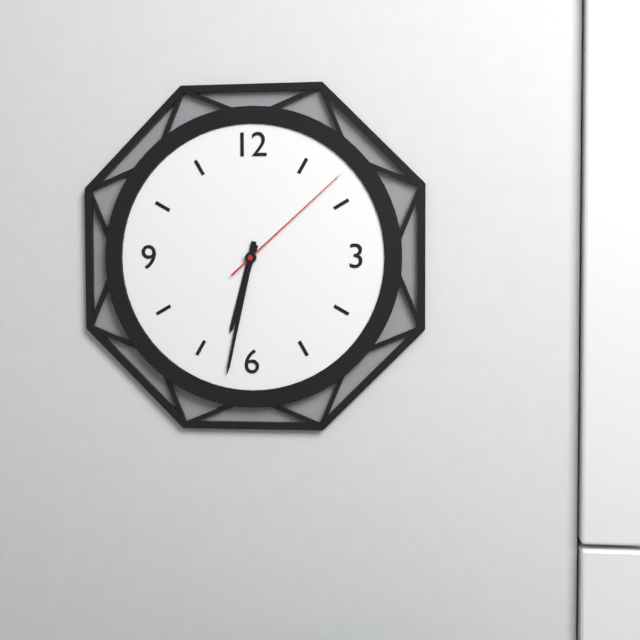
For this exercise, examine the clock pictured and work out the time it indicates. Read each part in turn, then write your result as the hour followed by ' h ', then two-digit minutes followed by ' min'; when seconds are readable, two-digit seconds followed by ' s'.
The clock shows 6 h 32 min 08 s
